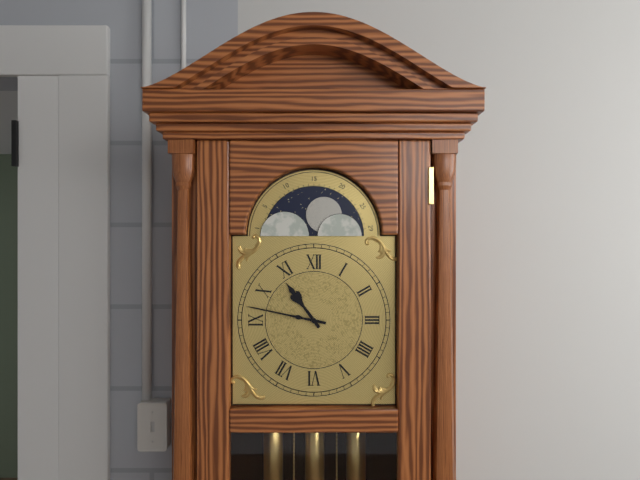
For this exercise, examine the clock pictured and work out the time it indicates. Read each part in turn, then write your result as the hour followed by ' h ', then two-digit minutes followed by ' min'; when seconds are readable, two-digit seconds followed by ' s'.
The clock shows 10 h 47 min
